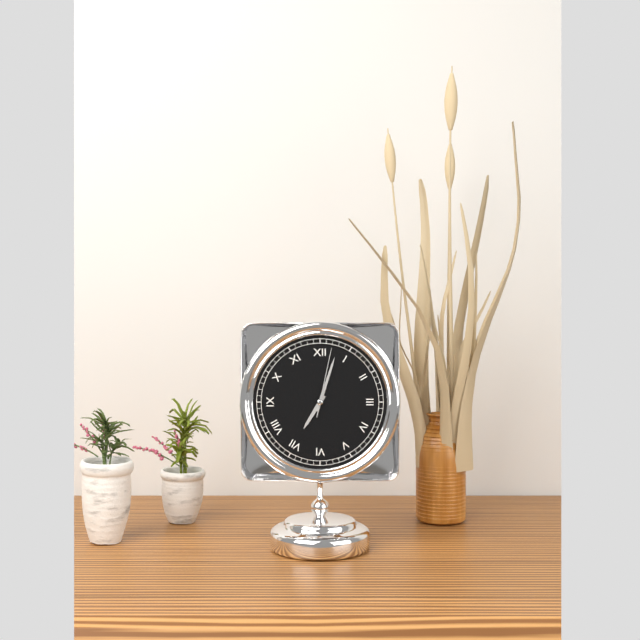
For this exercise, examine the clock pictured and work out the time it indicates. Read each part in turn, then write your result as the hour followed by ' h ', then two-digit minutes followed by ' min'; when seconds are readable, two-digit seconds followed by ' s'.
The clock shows 7 h 03 min 02 s
